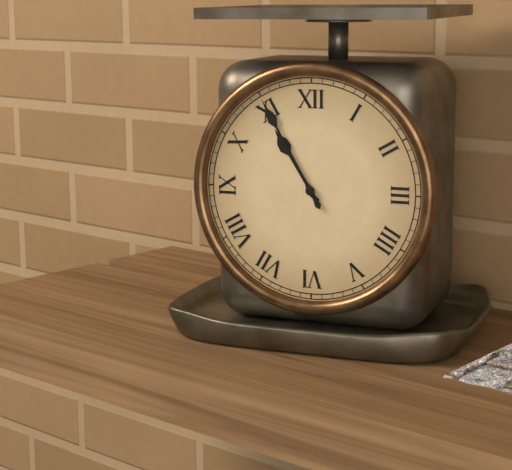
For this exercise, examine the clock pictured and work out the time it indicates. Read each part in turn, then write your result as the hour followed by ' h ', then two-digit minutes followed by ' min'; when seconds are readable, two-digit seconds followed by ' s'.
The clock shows 10 h 55 min
